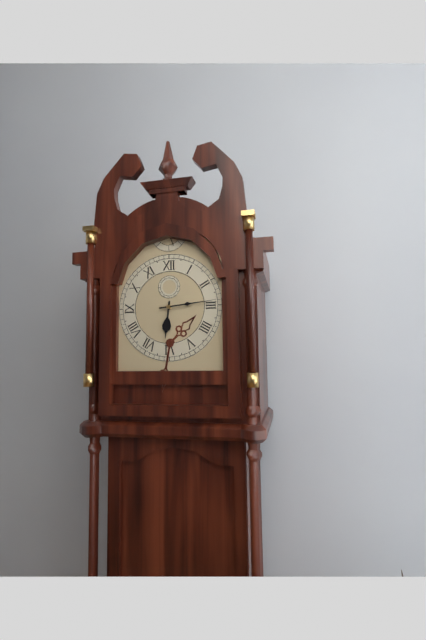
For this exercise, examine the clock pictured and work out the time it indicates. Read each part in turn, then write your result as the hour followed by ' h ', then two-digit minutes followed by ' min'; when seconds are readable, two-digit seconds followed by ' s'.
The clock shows 6 h 14 min
